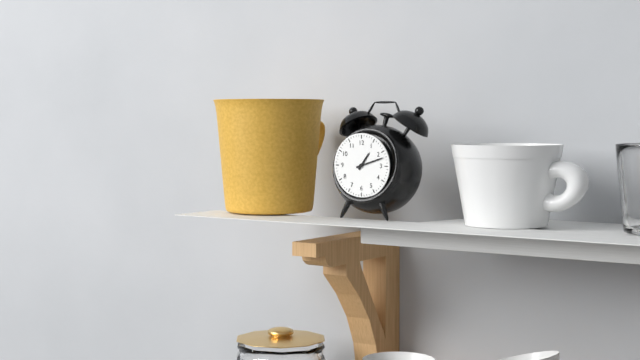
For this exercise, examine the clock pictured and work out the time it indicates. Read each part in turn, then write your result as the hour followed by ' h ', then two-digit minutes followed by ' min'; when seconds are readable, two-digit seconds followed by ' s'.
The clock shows 1 h 12 min
